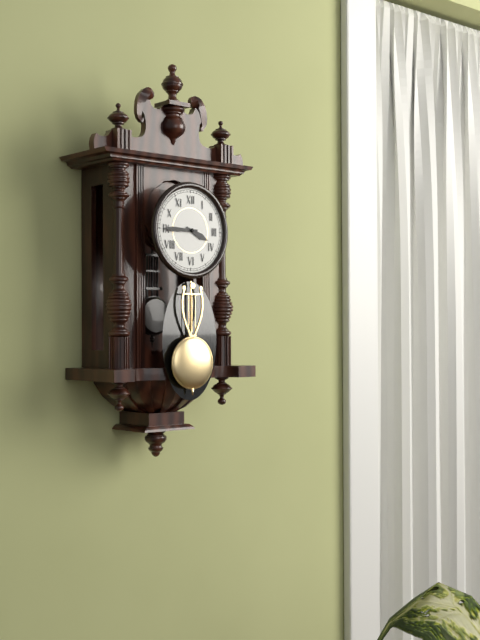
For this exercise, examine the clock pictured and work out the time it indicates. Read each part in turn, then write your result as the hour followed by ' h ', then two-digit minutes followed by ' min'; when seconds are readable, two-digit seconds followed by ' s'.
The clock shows 3 h 45 min
